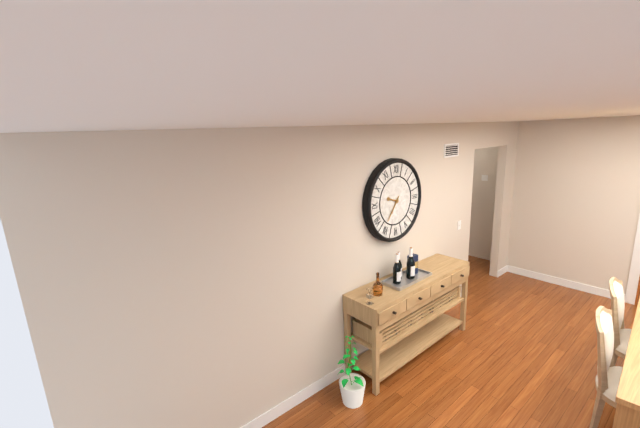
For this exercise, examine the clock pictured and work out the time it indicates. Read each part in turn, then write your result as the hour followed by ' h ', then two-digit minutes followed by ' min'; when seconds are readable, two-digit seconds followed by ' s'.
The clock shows 9 h 36 min
